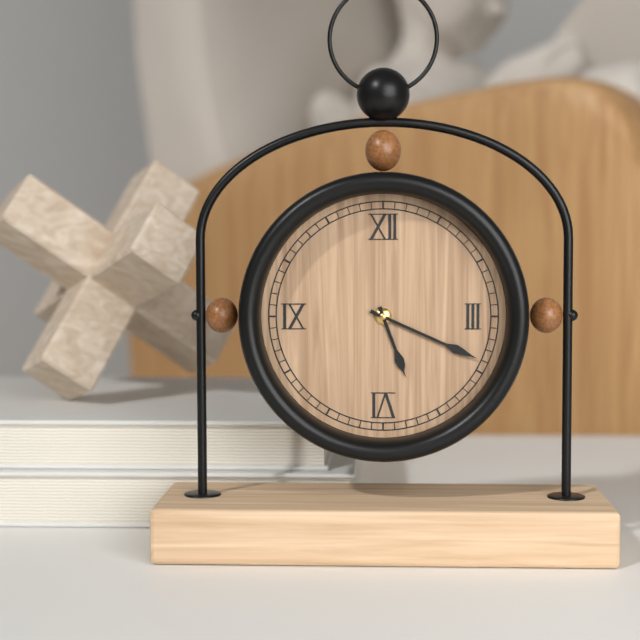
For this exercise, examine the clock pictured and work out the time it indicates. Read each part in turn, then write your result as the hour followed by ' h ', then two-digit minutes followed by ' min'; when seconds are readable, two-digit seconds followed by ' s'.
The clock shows 5 h 19 min
